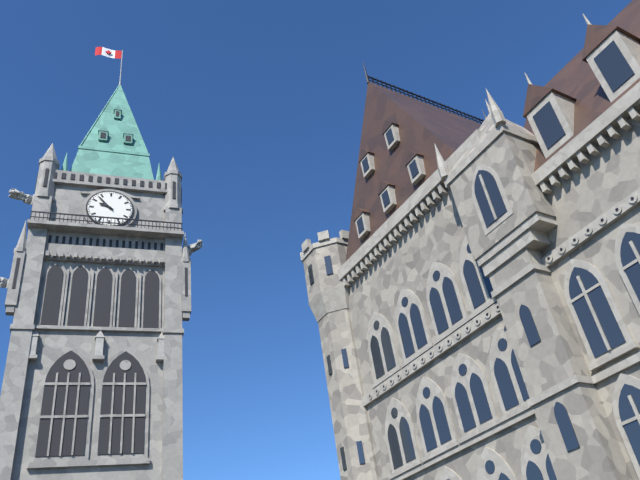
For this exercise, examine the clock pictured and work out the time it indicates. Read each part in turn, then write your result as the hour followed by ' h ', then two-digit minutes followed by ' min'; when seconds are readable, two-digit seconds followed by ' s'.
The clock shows 9 h 53 min
